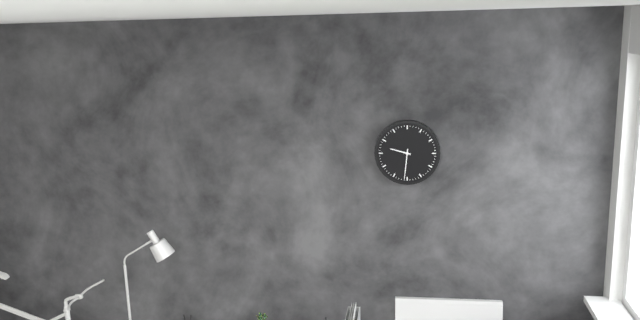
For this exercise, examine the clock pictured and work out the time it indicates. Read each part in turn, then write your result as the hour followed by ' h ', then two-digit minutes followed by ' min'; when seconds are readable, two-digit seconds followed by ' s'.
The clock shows 9 h 31 min
